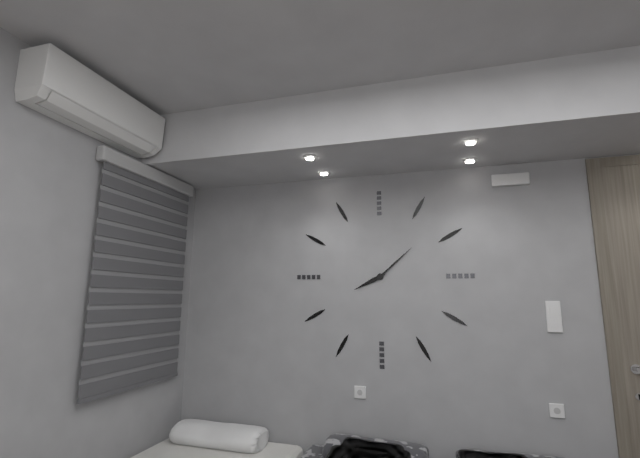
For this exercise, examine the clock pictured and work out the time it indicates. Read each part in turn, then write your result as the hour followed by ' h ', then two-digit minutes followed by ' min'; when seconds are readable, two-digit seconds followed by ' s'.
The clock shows 8 h 08 min
